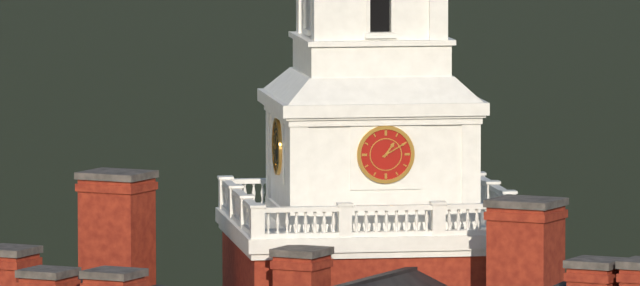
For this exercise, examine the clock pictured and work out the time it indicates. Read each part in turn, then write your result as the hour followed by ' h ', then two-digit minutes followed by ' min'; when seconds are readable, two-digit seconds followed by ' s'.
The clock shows 1 h 10 min
